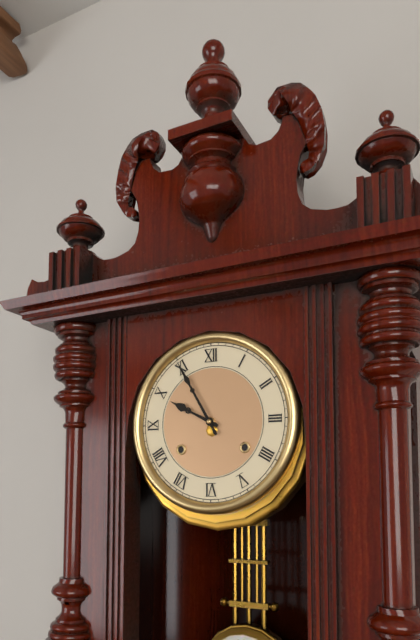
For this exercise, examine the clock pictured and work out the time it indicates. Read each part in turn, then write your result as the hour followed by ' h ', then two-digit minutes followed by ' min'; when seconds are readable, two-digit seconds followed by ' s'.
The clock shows 9 h 55 min
